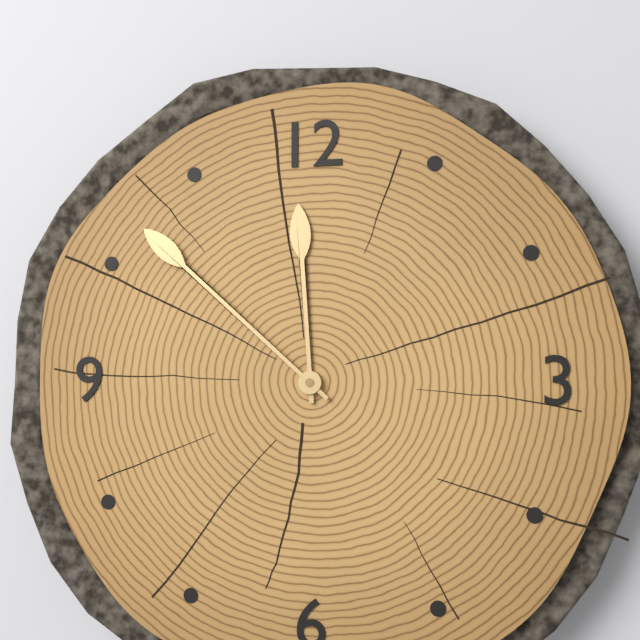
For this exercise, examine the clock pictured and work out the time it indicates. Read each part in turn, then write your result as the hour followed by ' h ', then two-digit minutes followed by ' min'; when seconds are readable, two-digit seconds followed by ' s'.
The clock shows 11 h 52 min
